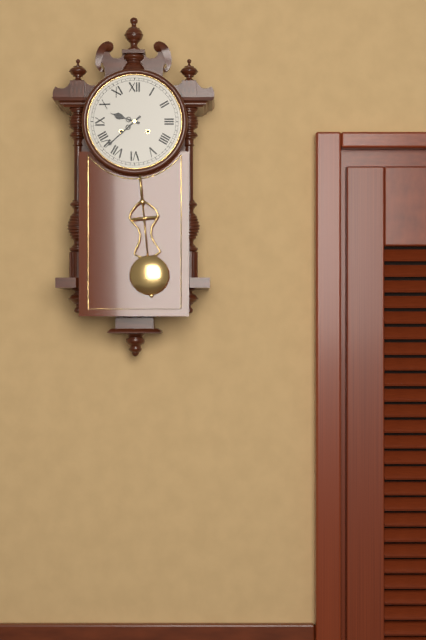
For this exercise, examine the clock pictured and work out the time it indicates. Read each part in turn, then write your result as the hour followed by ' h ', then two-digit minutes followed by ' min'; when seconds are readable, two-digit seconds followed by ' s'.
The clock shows 9 h 38 min
